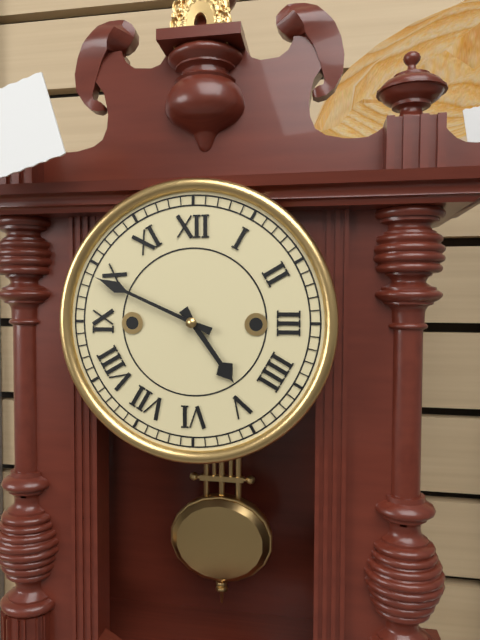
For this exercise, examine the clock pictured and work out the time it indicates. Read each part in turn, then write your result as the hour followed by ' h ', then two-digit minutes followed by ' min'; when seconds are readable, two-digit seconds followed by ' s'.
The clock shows 4 h 49 min
